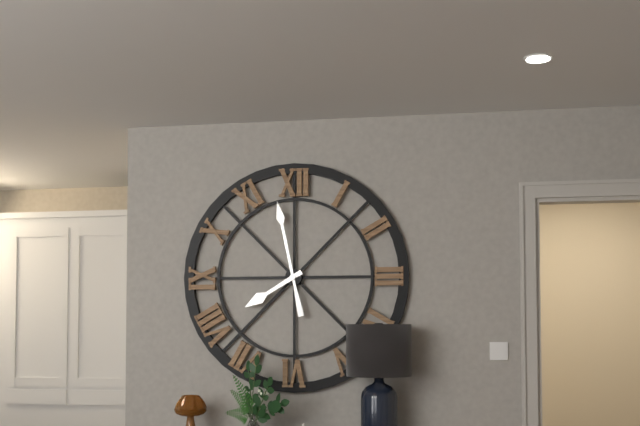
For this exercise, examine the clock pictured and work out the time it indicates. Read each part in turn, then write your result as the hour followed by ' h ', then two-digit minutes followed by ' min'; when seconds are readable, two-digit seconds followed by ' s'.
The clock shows 7 h 58 min
